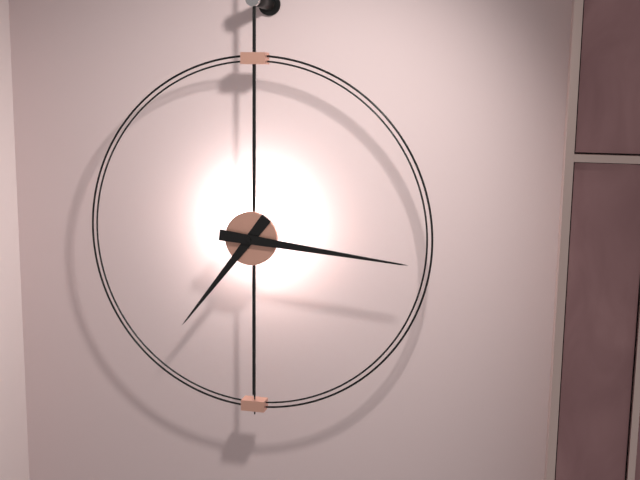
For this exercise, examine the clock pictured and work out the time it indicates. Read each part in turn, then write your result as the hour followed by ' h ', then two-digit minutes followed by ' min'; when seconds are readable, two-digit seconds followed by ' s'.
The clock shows 7 h 16 min
